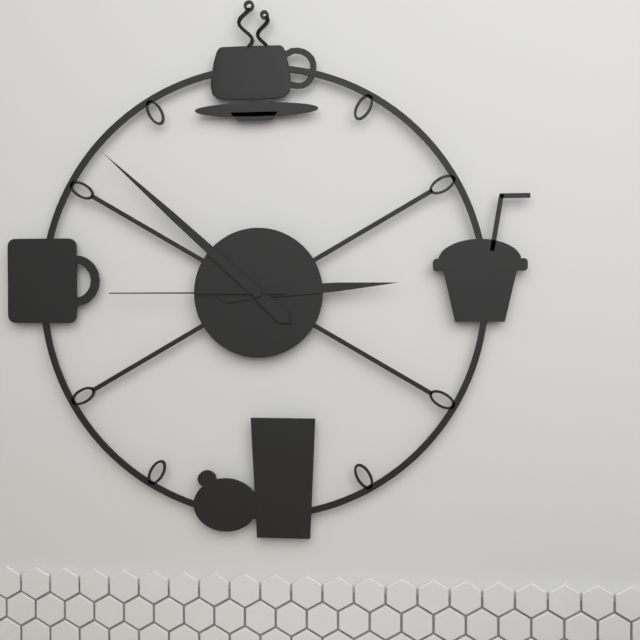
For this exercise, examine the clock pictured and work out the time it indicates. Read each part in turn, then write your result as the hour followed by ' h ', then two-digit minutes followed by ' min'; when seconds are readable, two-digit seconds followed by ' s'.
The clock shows 2 h 52 min 45 s
